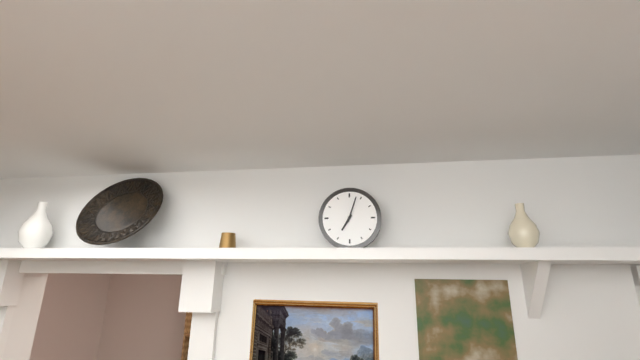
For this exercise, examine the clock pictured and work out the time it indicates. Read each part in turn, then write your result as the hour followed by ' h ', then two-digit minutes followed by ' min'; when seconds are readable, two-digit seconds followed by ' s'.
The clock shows 7 h 03 min
